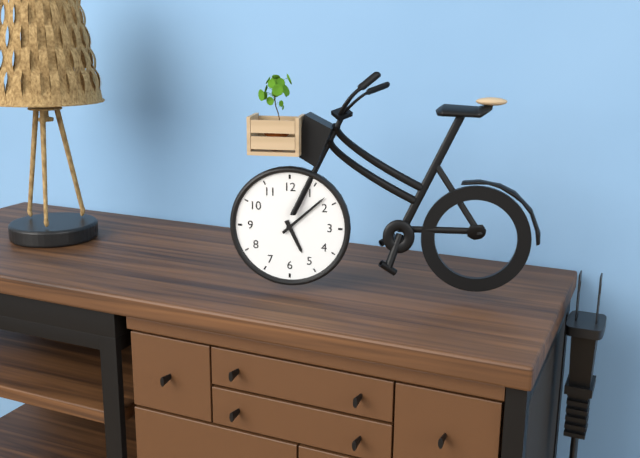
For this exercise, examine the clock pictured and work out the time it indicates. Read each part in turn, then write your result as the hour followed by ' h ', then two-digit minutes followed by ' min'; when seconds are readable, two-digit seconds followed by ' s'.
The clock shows 5 h 08 min
